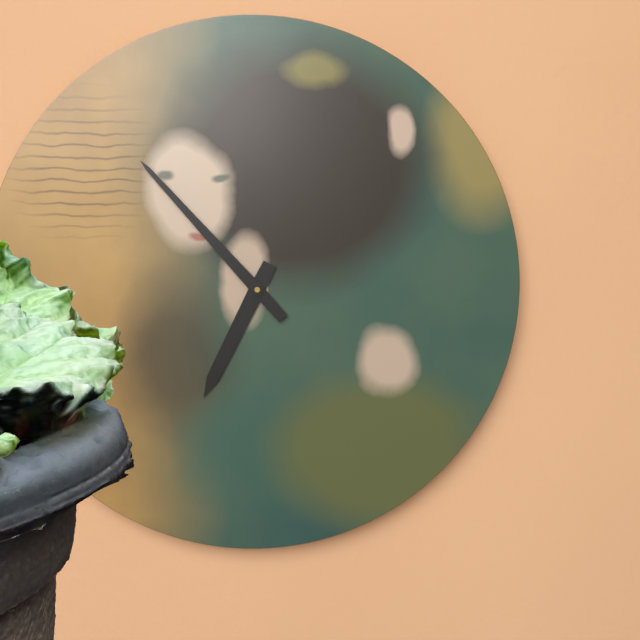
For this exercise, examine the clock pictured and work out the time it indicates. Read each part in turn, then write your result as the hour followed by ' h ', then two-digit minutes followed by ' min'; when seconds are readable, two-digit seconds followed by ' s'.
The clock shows 6 h 53 min
